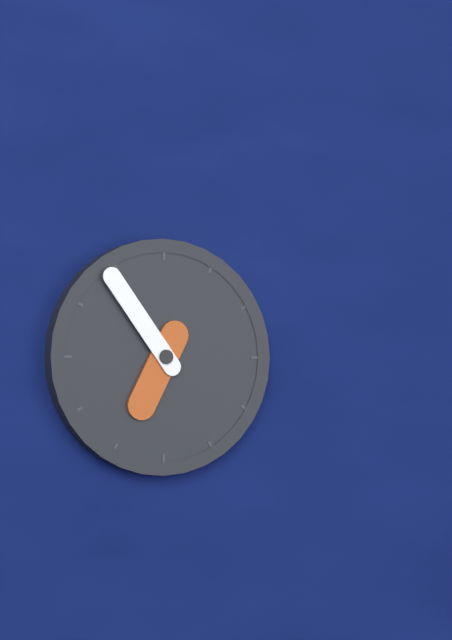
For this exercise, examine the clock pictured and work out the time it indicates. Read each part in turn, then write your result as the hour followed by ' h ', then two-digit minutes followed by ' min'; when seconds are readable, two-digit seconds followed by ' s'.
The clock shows 6 h 54 min
